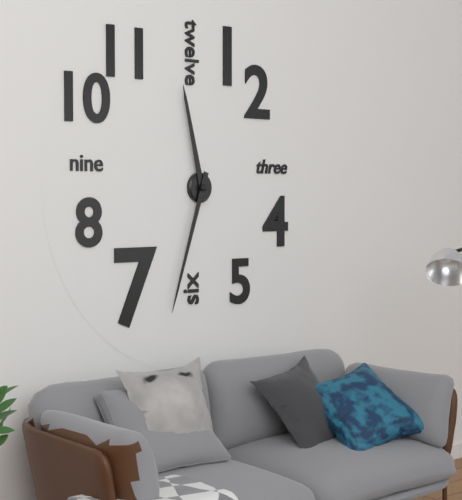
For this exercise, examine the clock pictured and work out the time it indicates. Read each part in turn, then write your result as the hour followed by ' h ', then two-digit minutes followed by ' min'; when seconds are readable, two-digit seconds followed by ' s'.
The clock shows 11 h 33 min
